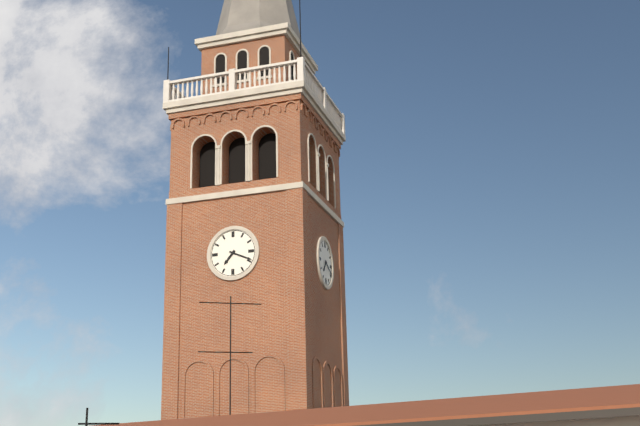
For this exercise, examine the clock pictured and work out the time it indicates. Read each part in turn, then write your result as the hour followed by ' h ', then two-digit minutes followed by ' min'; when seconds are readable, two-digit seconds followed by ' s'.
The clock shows 7 h 19 min
